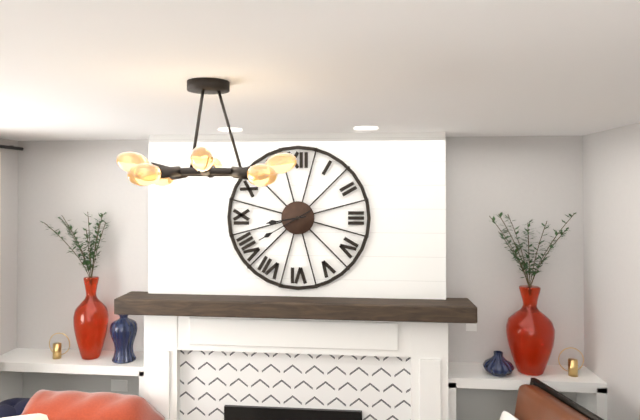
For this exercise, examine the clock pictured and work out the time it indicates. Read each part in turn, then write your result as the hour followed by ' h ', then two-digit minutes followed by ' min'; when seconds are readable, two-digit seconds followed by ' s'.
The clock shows 8 h 40 min
